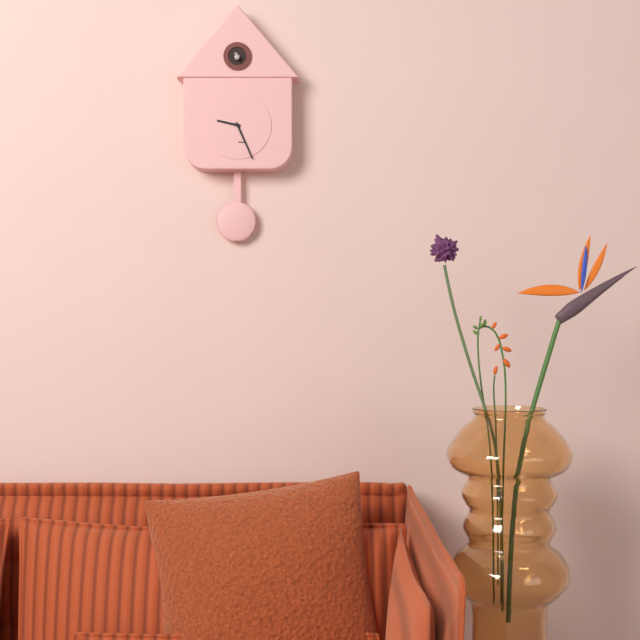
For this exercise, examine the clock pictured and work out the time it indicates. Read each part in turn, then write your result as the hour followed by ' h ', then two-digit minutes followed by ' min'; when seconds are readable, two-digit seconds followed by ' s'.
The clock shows 9 h 26 min
